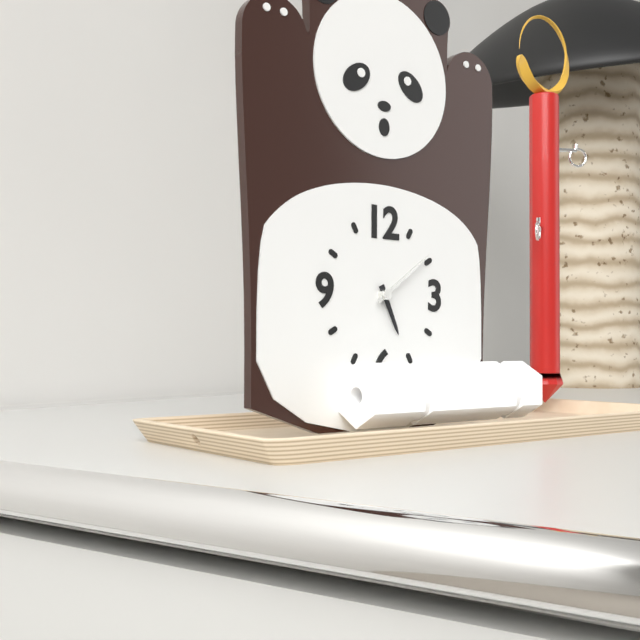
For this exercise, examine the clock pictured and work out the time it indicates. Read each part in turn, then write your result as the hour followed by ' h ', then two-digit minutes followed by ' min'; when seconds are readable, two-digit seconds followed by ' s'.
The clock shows 5 h 09 min
